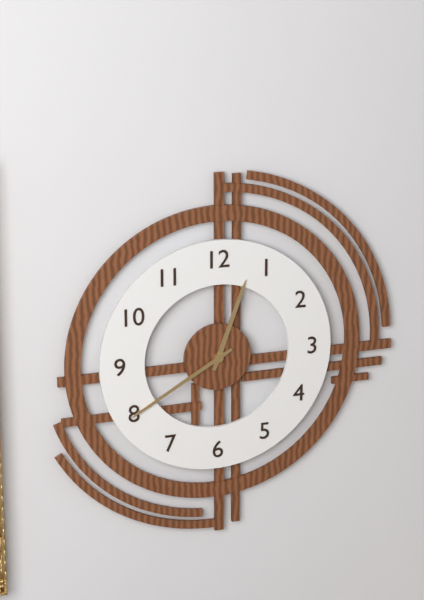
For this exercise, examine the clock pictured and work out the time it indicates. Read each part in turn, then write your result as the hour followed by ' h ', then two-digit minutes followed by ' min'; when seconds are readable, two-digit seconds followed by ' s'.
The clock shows 12 h 40 min
